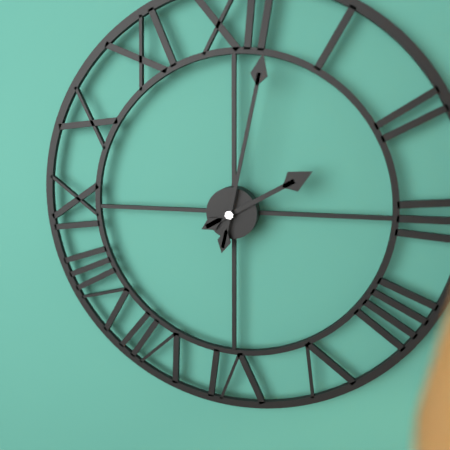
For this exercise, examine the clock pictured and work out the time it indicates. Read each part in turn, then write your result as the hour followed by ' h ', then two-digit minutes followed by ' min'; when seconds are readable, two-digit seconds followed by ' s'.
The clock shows 2 h 02 min
